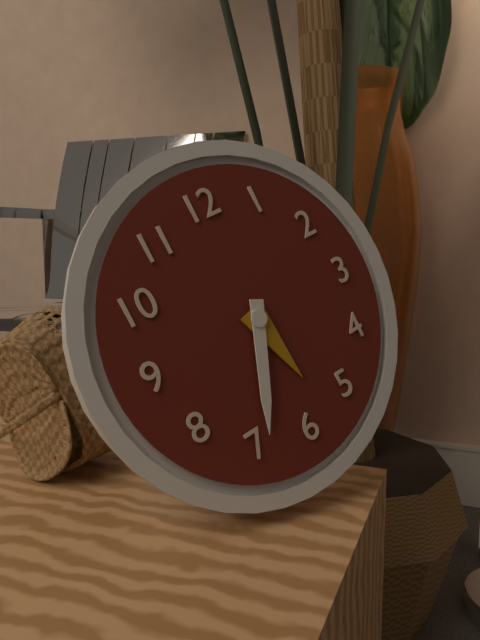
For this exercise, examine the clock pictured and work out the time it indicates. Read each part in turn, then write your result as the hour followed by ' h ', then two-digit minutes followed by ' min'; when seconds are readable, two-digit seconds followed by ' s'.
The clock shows 5 h 34 min
